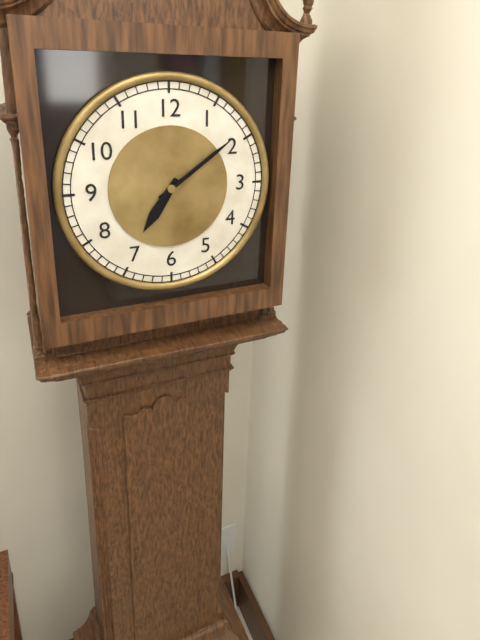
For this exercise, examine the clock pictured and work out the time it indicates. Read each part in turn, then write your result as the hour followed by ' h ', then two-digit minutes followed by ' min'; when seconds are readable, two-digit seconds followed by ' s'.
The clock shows 7 h 09 min
